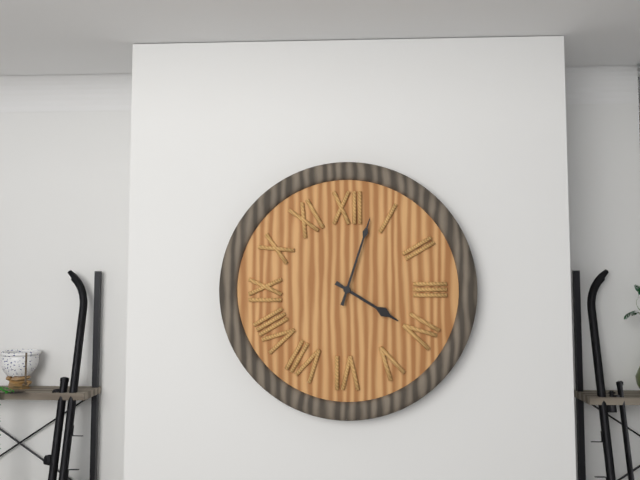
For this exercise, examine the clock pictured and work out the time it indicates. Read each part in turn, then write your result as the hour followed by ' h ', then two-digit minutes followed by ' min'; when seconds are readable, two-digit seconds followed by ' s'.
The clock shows 4 h 03 min
